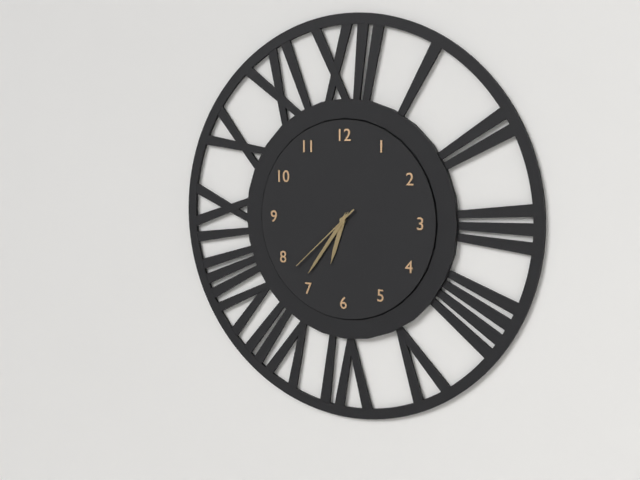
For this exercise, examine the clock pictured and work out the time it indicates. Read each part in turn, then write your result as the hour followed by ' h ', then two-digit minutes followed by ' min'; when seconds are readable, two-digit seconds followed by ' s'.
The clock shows 6 h 36 min 38 s
